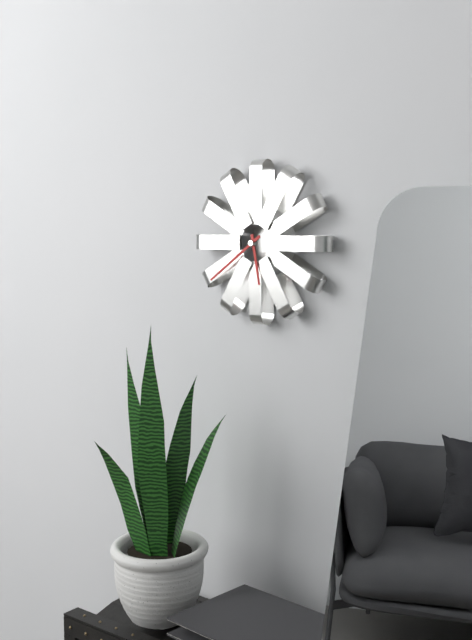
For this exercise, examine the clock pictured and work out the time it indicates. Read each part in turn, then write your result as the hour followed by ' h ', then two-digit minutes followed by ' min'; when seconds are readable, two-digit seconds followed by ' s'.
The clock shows 5 h 39 min
